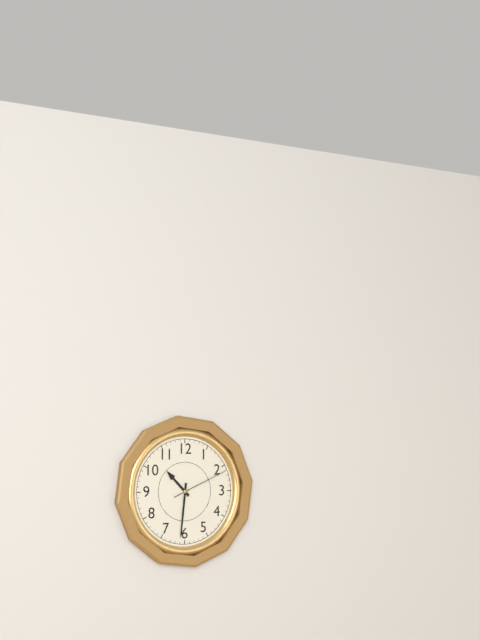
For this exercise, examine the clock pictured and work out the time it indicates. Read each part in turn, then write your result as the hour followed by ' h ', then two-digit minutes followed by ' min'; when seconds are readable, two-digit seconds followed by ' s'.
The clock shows 10 h 31 min 11 s
